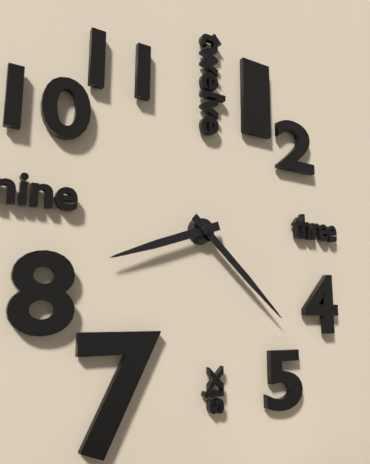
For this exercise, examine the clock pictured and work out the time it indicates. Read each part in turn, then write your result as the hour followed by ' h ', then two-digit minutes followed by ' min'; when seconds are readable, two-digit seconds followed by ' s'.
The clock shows 8 h 22 min
